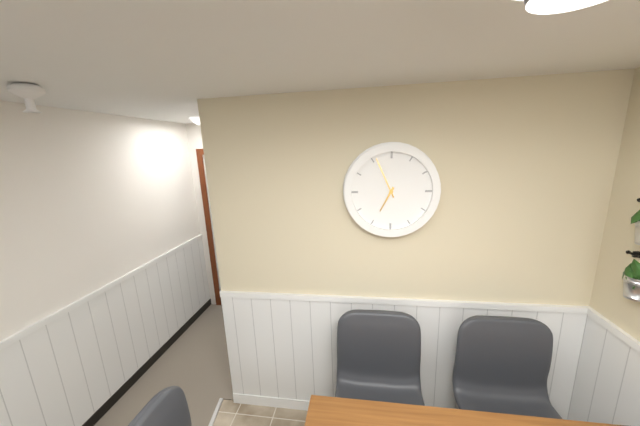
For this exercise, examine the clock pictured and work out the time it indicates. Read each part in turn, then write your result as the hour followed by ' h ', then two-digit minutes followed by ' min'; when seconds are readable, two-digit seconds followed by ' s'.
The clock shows 6 h 56 min
